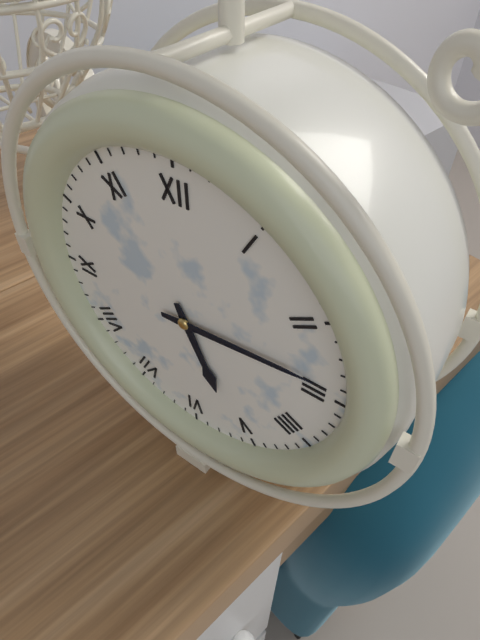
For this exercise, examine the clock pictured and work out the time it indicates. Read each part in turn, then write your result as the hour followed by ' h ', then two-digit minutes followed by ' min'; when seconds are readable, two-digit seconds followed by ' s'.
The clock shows 5 h 14 min
